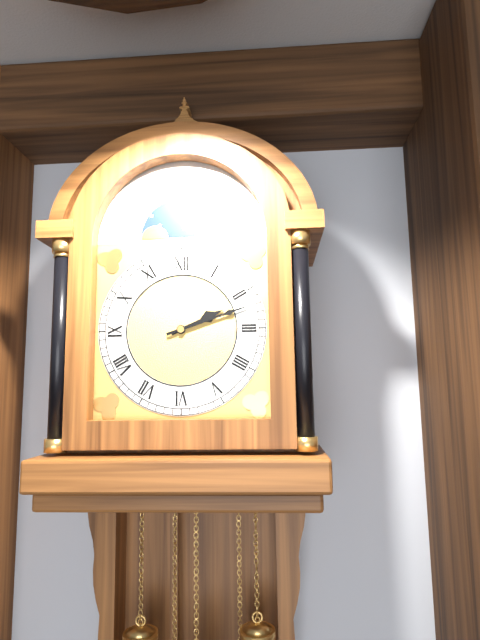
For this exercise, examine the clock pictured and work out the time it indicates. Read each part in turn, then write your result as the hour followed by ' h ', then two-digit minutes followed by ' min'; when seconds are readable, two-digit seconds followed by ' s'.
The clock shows 2 h 12 min
